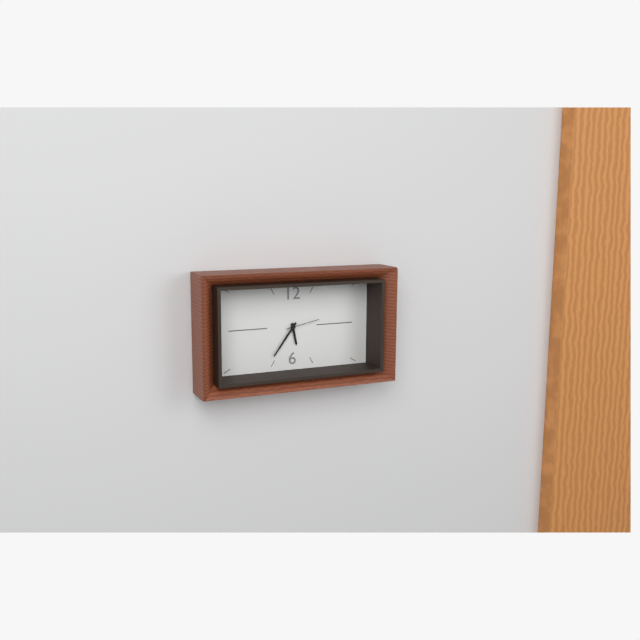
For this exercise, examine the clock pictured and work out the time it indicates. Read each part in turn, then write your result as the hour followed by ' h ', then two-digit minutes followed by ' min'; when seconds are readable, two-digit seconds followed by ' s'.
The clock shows 5 h 36 min
